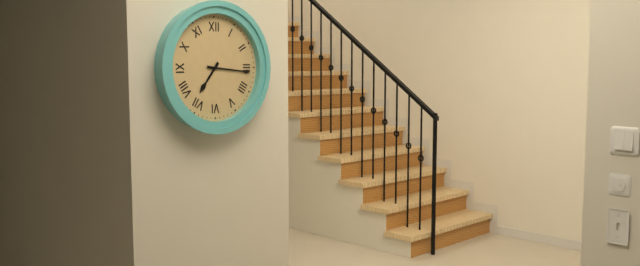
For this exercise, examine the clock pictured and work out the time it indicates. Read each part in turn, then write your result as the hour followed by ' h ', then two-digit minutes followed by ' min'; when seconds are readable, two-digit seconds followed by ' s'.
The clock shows 7 h 16 min
